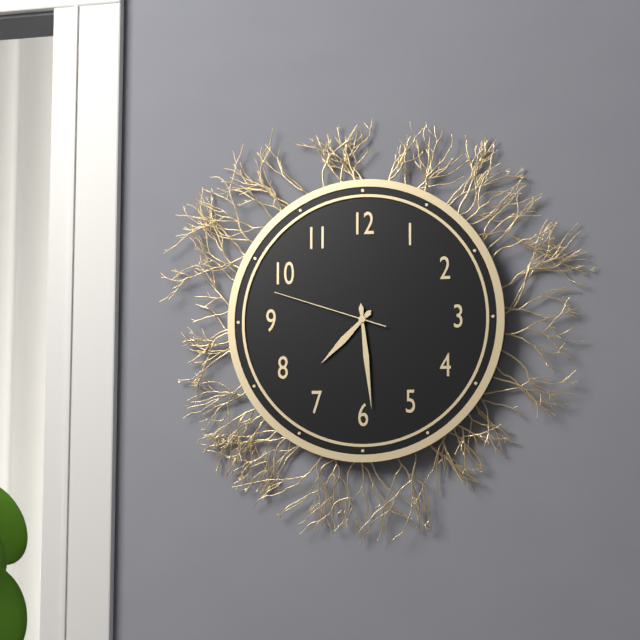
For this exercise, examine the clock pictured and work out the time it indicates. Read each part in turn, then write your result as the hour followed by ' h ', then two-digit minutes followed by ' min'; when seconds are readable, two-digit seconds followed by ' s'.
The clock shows 7 h 29 min 48 s
